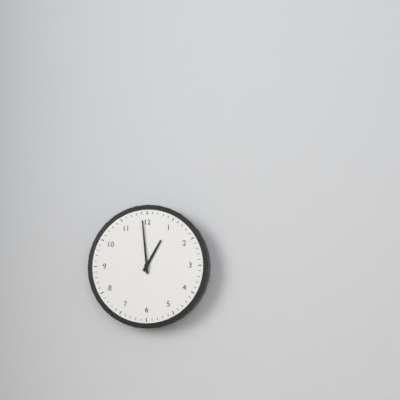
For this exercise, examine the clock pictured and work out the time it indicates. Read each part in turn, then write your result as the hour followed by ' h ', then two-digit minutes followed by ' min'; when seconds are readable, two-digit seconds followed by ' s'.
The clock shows 12 h 59 min
